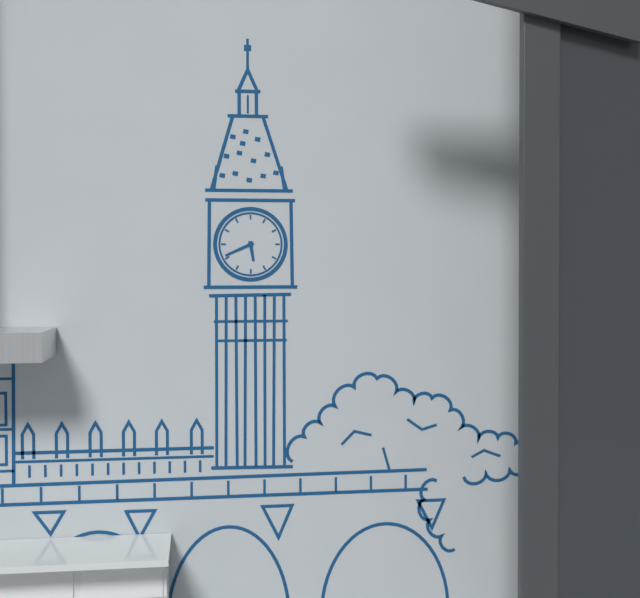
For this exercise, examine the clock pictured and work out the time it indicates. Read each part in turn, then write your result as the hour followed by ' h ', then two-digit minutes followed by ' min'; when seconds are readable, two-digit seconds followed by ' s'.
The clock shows 5 h 41 min
